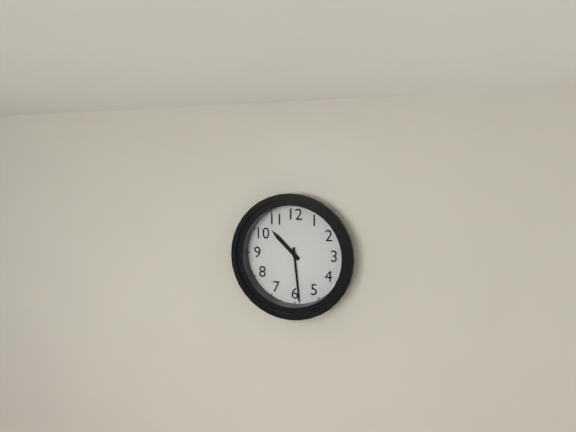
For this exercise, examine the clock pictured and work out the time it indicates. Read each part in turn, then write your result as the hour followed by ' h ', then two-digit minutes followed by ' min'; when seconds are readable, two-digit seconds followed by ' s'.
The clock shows 10 h 29 min
